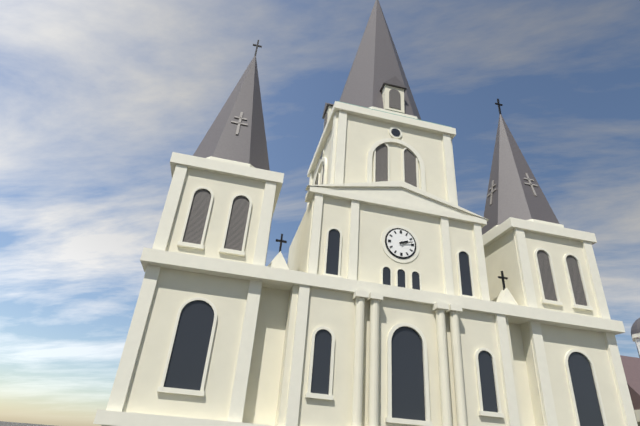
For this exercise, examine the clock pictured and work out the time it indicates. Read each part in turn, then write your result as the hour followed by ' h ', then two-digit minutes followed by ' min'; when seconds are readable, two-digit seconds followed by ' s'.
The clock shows 2 h 13 min
